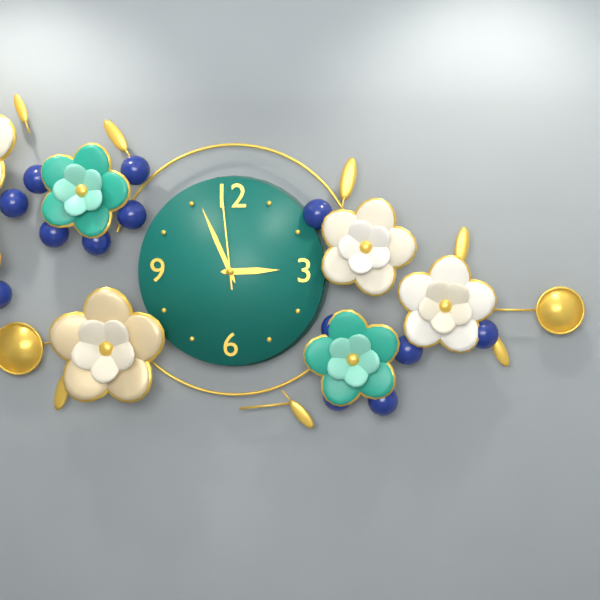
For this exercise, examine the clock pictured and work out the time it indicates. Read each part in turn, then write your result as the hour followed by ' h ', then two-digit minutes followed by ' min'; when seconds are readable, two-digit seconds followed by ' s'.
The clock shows 2 h 56 min 59 s
